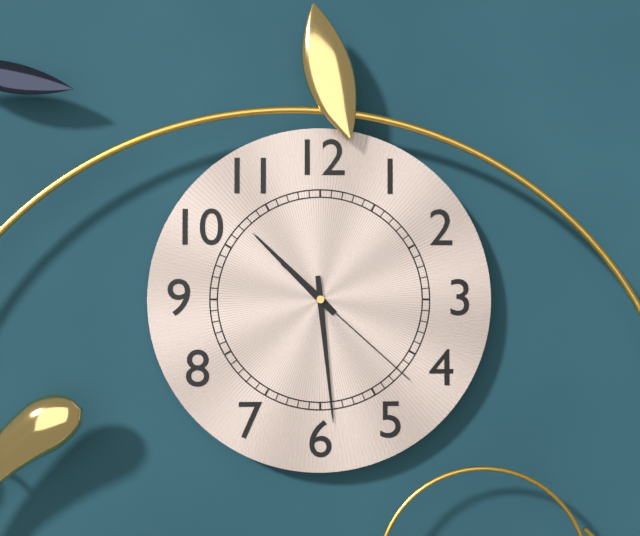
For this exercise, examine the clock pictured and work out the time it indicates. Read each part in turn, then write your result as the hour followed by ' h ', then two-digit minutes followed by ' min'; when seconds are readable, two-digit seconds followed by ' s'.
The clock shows 10 h 29 min 22 s
